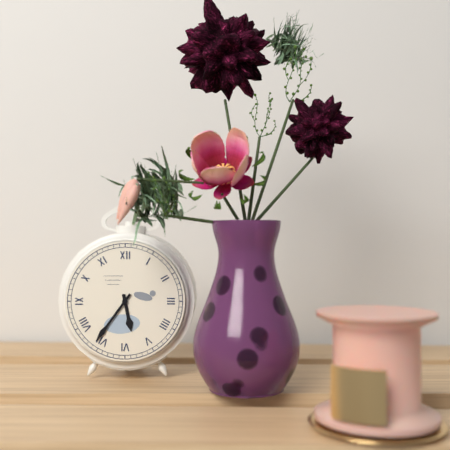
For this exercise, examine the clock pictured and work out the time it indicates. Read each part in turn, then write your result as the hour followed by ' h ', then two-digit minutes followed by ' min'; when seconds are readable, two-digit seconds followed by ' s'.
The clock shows 5 h 36 min
